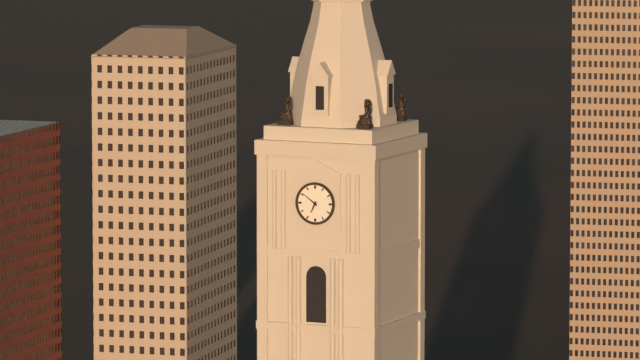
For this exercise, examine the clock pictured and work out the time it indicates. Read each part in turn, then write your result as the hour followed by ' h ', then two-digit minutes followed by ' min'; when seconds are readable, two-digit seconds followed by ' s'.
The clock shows 6 h 51 min
